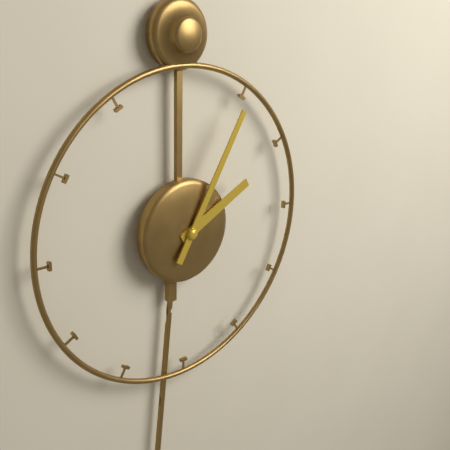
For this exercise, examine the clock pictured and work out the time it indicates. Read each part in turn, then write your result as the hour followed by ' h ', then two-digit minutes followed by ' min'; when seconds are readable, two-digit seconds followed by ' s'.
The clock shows 2 h 05 min
